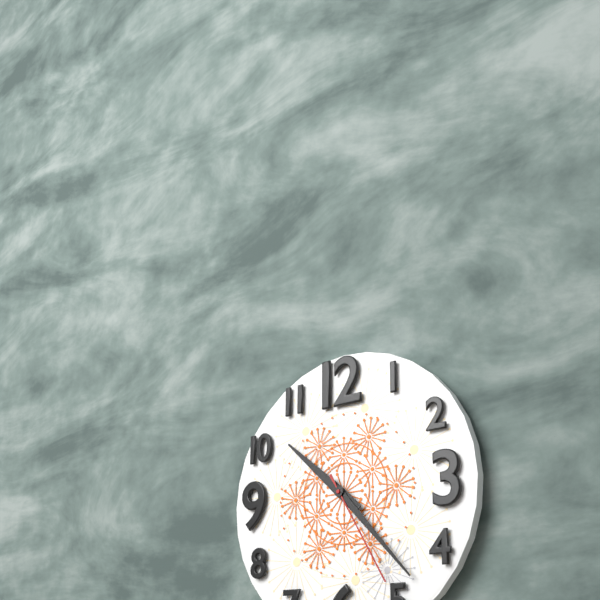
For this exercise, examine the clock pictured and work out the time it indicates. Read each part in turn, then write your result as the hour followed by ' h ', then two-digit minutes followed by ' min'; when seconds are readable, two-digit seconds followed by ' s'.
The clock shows 10 h 23 min 25 s
